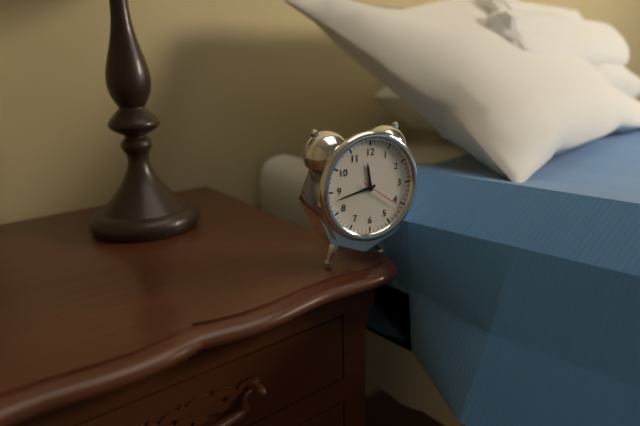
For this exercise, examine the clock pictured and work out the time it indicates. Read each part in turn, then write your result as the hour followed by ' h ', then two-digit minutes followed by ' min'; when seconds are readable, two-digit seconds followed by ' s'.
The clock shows 11 h 43 min
